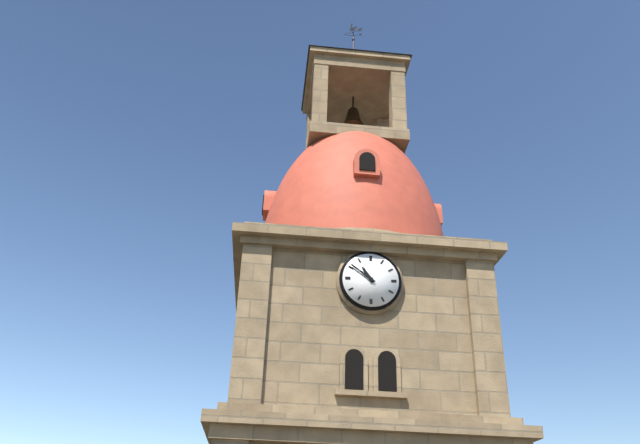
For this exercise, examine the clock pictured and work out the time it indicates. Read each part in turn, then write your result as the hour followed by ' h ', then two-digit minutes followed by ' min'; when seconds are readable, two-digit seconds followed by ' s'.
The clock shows 10 h 51 min
